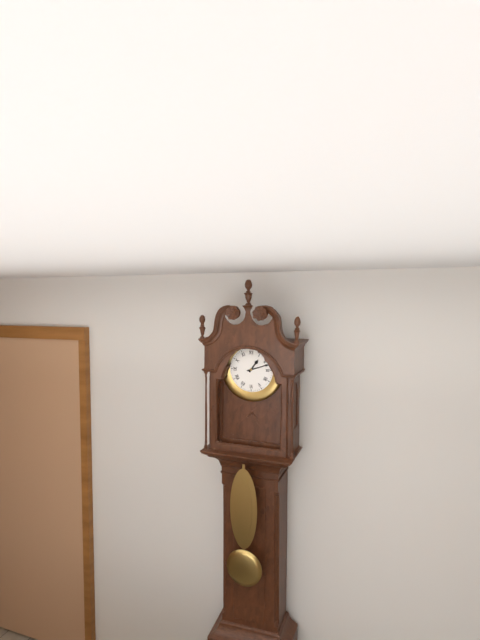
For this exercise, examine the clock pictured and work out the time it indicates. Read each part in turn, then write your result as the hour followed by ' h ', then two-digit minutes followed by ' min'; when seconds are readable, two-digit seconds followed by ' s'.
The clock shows 1 h 12 min
